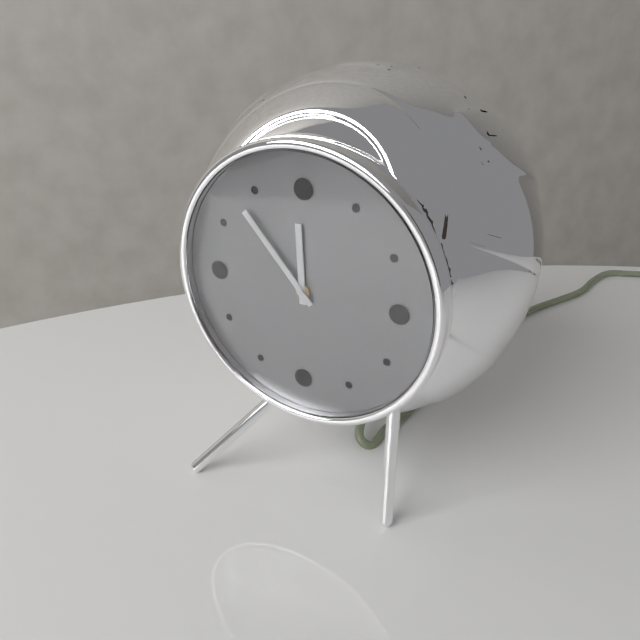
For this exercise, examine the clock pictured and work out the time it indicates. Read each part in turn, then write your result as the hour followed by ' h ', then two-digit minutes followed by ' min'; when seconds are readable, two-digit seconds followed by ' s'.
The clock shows 11 h 53 min
